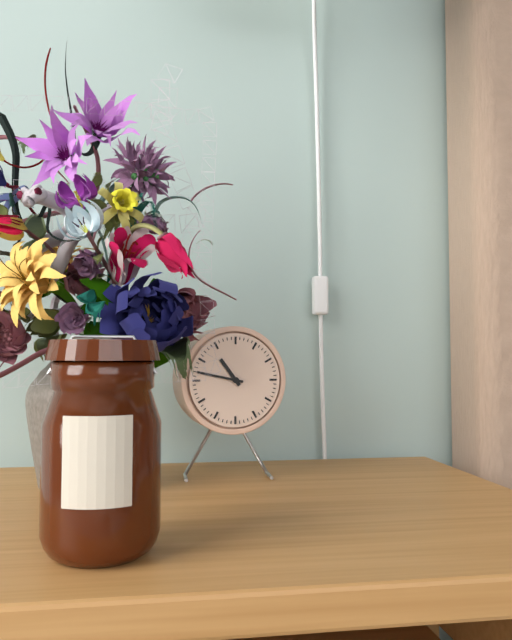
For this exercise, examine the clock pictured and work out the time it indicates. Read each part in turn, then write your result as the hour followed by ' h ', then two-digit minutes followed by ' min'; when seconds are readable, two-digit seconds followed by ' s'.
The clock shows 10 h 47 min
